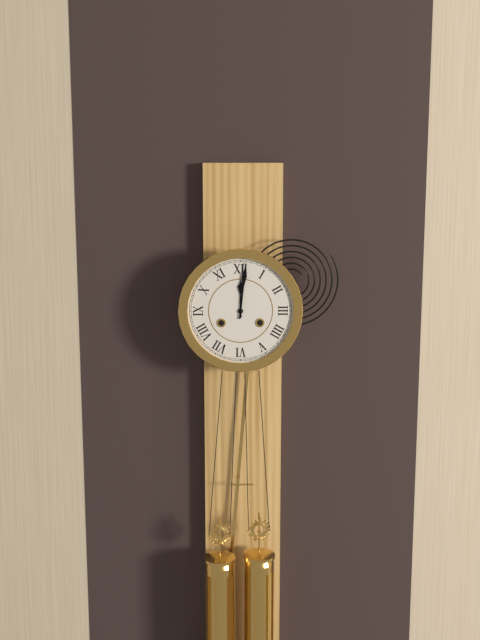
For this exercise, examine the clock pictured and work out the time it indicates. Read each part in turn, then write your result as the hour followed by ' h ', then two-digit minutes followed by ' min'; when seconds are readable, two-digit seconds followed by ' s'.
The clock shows 12 h 01 min
